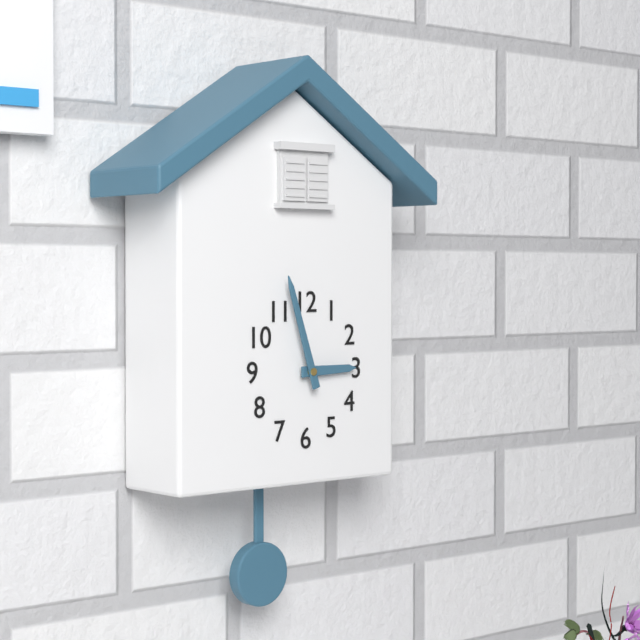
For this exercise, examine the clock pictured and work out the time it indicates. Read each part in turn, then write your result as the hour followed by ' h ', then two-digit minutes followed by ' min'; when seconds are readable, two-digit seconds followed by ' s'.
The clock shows 2 h 57 min
